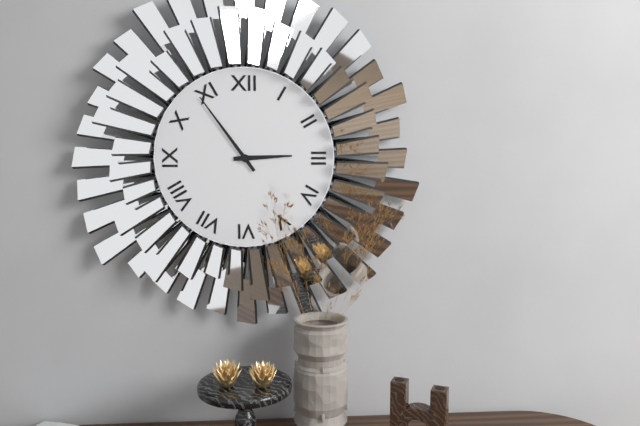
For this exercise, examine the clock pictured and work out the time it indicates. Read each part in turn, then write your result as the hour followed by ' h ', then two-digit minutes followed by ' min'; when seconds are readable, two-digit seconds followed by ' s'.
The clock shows 2 h 54 min
